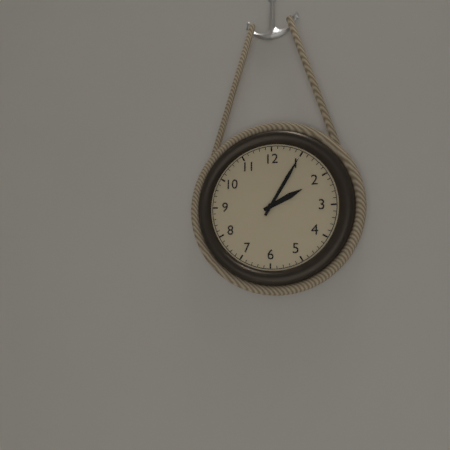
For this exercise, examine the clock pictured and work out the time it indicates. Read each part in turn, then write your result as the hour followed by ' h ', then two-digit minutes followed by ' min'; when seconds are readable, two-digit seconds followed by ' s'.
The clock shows 2 h 05 min
